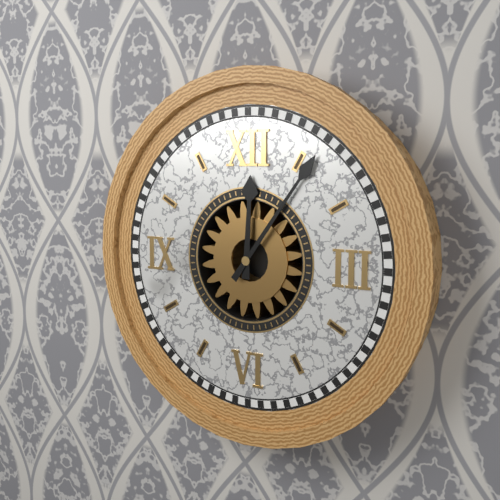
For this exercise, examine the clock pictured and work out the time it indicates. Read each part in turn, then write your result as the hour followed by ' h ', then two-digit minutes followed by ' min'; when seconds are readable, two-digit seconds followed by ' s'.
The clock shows 12 h 06 min
